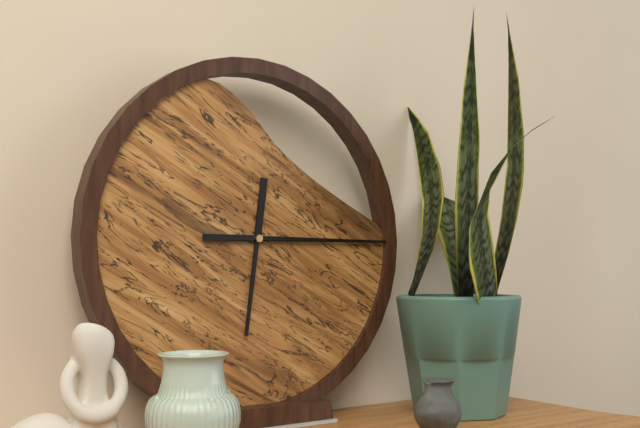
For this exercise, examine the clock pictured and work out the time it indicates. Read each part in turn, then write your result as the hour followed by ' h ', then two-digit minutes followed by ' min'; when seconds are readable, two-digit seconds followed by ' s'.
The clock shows 6 h 15 min
